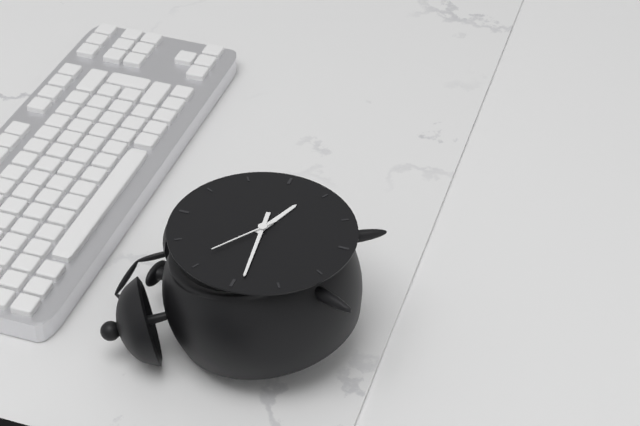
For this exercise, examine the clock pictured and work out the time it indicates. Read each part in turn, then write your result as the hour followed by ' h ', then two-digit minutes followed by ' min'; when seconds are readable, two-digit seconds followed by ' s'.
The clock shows 3 h 44 min 51 s
